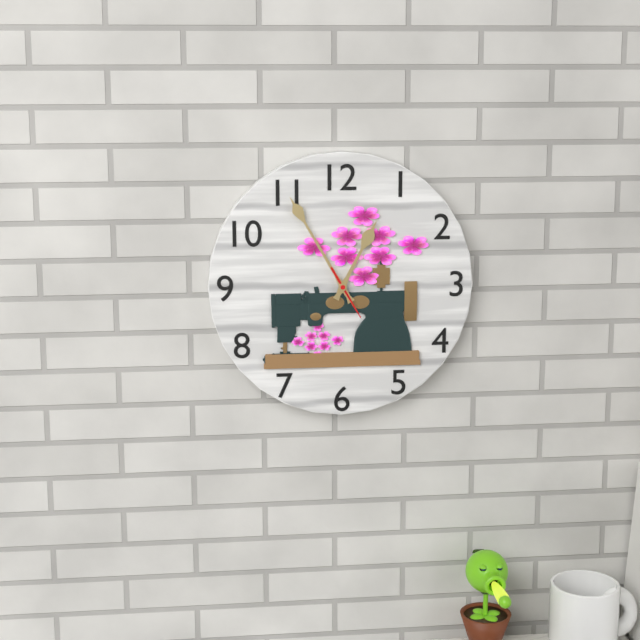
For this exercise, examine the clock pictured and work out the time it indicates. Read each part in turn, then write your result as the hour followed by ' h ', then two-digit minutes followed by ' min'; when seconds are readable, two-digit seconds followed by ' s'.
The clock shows 12 h 55 min
